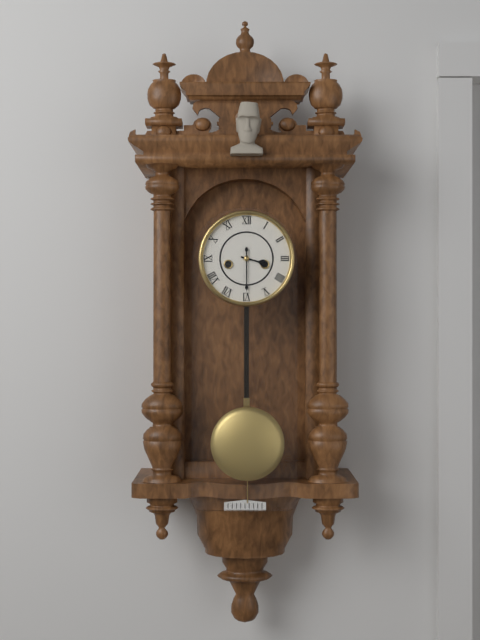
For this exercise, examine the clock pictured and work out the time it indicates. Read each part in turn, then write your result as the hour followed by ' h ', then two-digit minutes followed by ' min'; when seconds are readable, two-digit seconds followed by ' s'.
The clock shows 3 h 30 min
